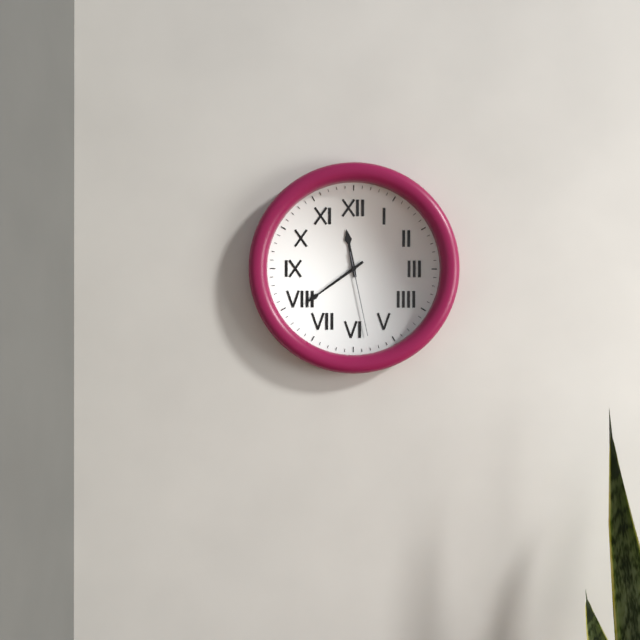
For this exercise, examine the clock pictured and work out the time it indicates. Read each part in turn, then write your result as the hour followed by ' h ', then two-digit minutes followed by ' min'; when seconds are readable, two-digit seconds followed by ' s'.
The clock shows 11 h 39 min 28 s
